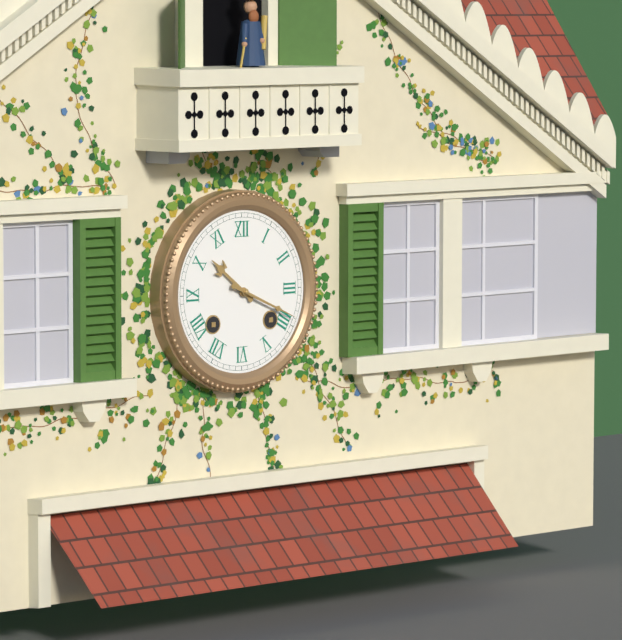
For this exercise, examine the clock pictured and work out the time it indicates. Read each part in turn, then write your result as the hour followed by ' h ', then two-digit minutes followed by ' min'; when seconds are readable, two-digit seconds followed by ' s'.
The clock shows 10 h 19 min
